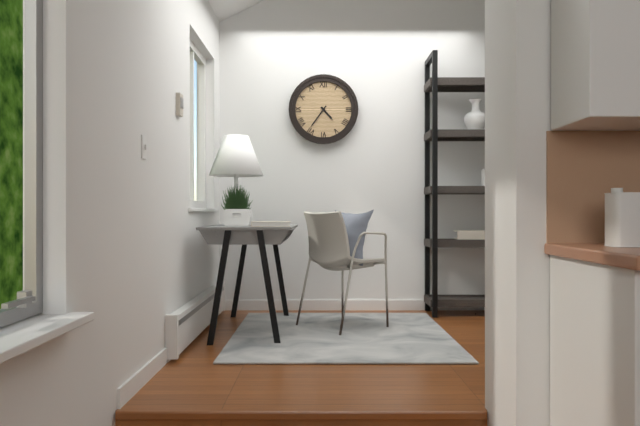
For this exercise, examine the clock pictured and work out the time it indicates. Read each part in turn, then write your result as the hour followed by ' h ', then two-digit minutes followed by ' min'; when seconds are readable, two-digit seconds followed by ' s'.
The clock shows 4 h 36 min
